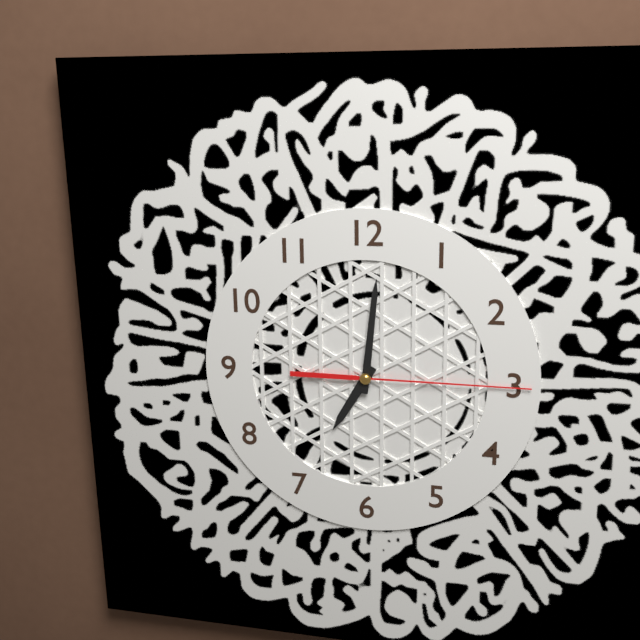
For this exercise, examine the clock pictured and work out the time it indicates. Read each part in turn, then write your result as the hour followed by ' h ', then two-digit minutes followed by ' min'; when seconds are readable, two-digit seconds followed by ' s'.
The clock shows 7 h 01 min 15 s
